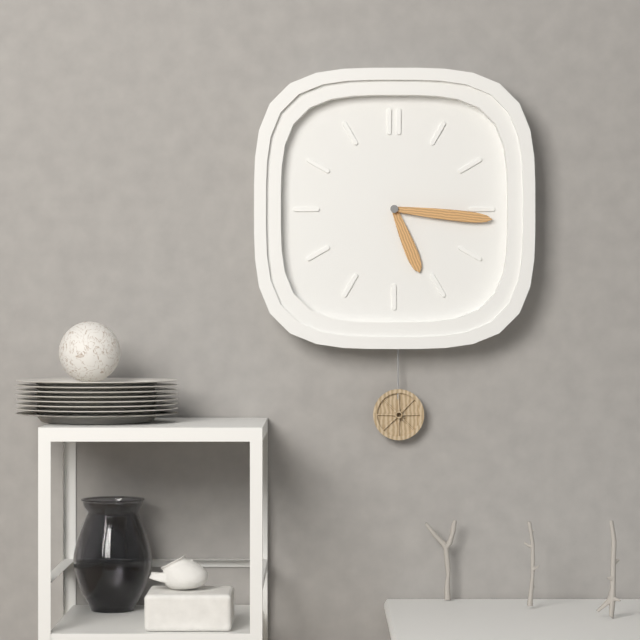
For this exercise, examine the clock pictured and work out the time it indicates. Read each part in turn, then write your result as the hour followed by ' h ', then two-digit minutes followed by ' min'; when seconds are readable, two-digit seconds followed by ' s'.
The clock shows 5 h 16 min
